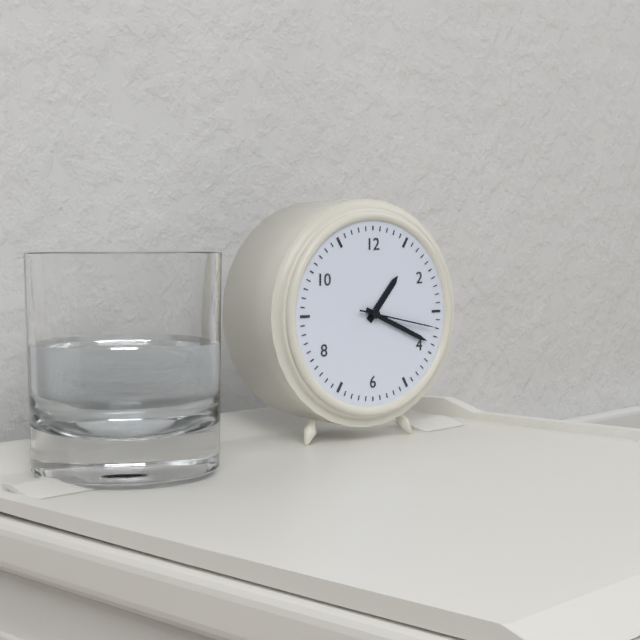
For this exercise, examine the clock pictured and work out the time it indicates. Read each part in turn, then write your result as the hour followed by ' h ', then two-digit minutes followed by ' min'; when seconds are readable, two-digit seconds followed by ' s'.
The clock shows 1 h 19 min 17 s
